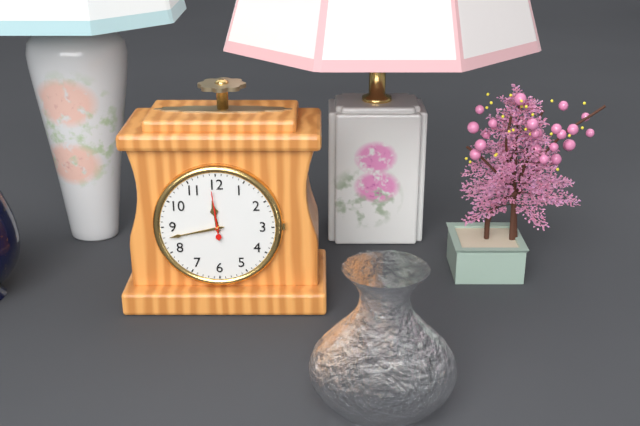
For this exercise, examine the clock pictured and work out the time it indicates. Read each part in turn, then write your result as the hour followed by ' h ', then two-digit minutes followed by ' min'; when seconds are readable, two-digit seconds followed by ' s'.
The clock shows 11 h 43 min
